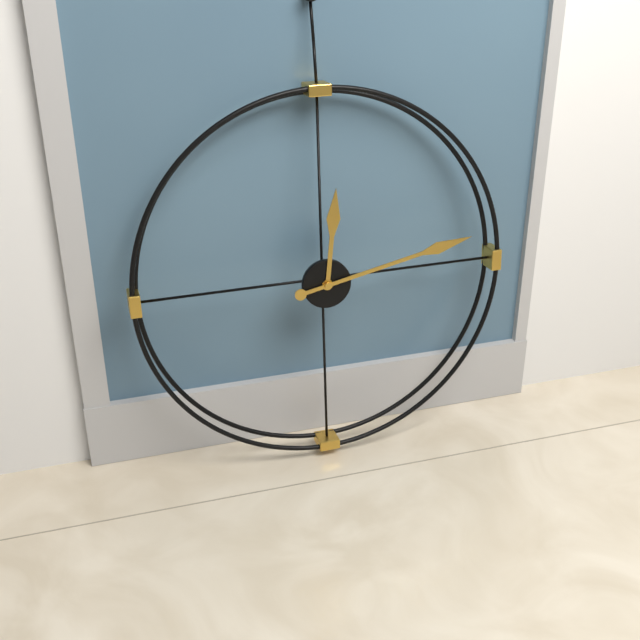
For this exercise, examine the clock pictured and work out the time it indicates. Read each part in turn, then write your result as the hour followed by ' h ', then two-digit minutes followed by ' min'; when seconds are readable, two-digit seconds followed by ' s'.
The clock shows 12 h 13 min
